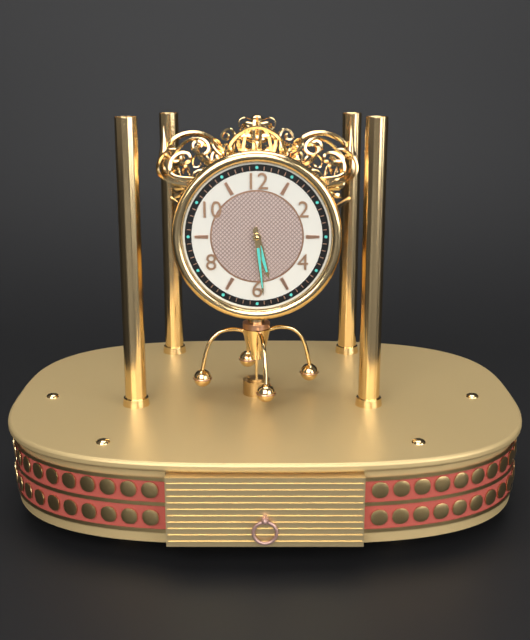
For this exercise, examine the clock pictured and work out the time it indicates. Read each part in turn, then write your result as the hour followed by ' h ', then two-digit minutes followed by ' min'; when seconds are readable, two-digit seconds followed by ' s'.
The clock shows 5 h 29 min
